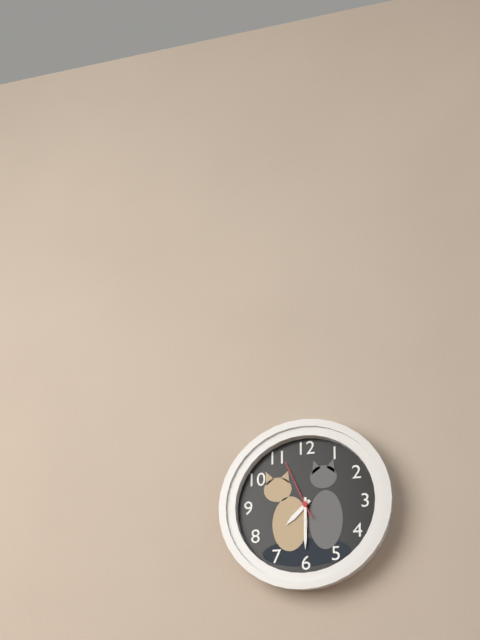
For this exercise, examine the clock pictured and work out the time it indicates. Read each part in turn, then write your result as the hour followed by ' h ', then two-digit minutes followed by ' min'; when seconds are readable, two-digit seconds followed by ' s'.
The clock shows 7 h 30 min 56 s
